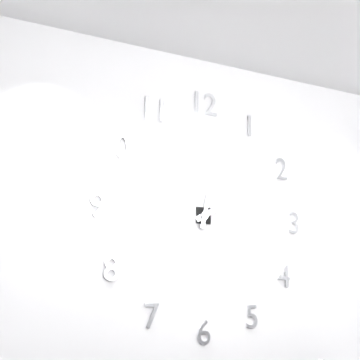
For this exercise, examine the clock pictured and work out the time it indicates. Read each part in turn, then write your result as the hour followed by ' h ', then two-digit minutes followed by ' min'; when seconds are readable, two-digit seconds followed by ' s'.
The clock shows 2 h 02 min
